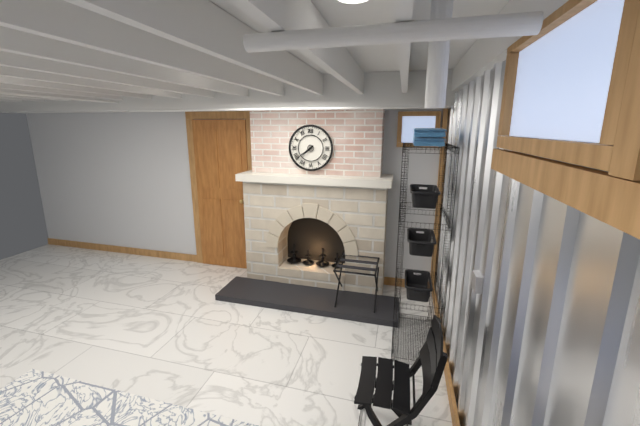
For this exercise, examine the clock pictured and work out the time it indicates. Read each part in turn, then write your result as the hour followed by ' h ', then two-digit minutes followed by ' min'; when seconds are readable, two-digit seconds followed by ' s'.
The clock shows 7 h 39 min
